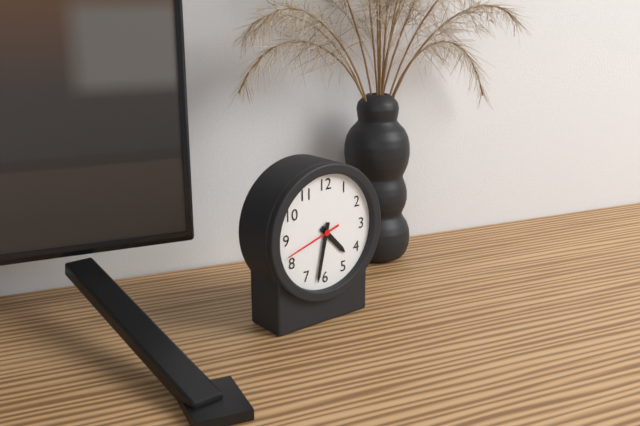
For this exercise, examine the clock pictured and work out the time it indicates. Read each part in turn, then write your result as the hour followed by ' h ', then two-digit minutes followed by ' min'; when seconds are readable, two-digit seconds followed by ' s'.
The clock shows 4 h 32 min 42 s
